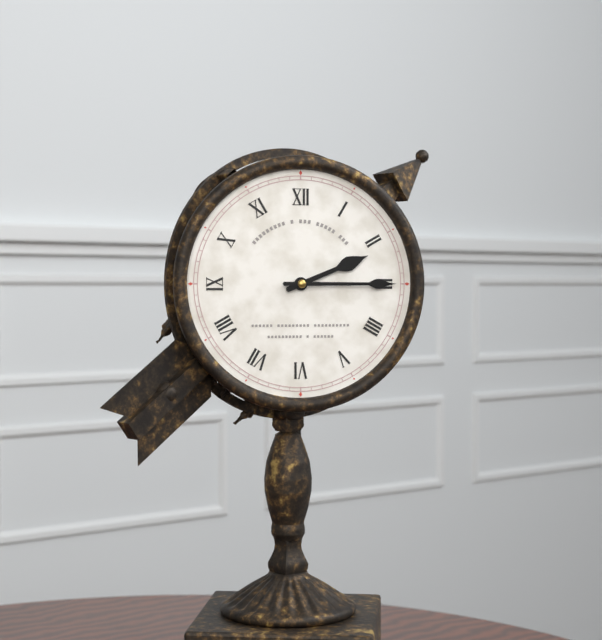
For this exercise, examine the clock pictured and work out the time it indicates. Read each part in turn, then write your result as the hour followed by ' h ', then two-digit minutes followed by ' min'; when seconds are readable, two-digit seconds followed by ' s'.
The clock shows 2 h 15 min
